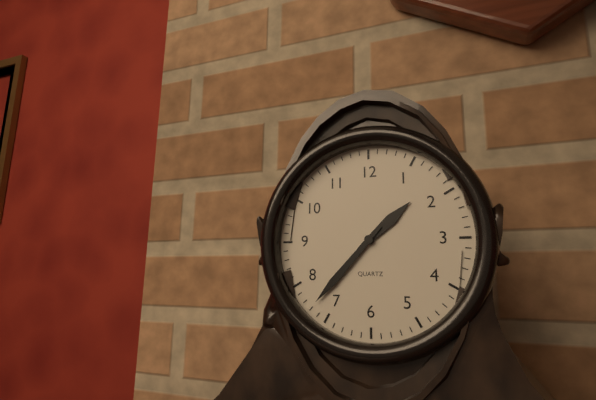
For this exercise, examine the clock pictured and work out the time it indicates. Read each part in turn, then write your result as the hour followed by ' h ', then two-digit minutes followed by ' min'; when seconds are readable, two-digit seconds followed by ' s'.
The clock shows 1 h 37 min
